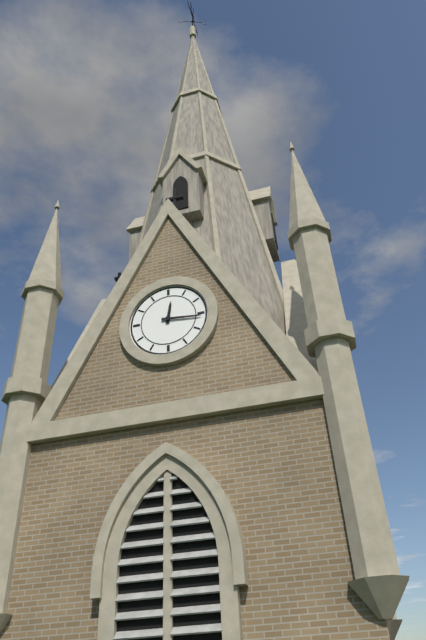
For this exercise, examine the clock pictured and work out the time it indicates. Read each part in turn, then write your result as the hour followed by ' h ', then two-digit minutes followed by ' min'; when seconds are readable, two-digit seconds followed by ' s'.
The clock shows 12 h 16 min
